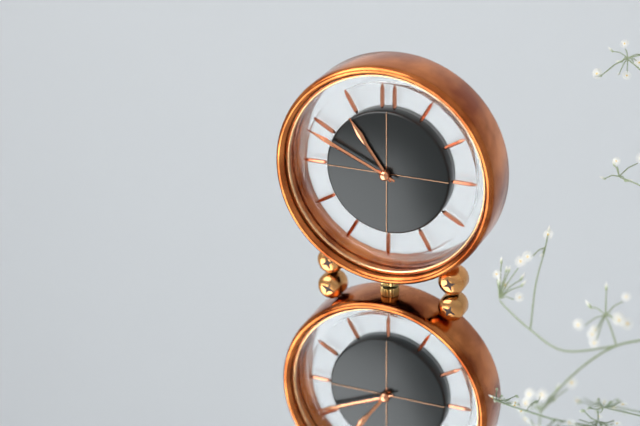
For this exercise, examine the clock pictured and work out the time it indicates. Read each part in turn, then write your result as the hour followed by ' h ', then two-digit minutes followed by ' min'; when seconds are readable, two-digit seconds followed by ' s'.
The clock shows 10 h 49 min
